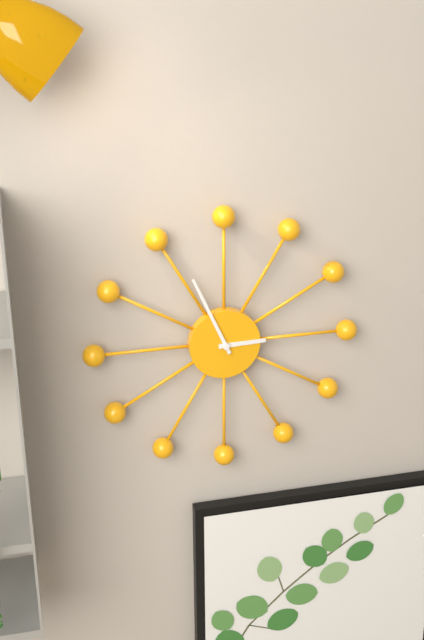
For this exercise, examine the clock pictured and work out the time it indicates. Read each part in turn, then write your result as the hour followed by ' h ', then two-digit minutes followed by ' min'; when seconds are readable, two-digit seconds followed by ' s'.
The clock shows 2 h 56 min
